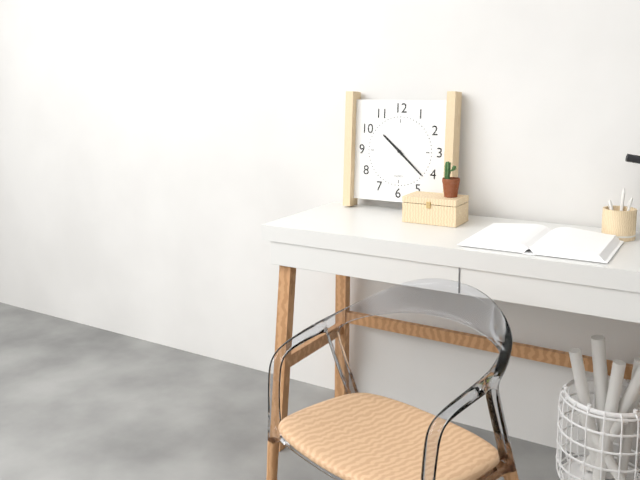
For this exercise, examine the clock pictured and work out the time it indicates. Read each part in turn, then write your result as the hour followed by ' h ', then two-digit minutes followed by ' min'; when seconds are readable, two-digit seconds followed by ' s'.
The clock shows 10 h 22 min
